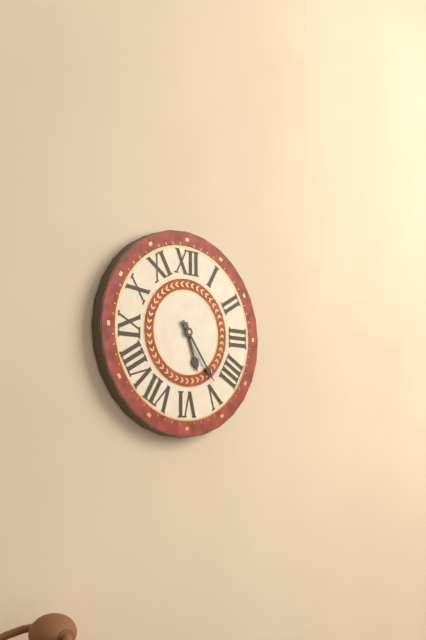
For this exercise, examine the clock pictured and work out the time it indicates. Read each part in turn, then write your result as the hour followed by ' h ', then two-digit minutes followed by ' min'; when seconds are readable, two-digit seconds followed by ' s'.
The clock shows 5 h 24 min
